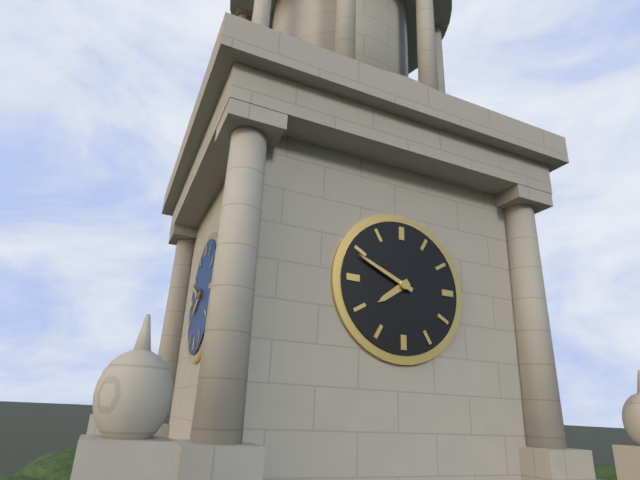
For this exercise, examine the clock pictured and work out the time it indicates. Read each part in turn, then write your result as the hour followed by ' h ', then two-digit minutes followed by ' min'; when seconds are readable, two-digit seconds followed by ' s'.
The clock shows 7 h 49 min
